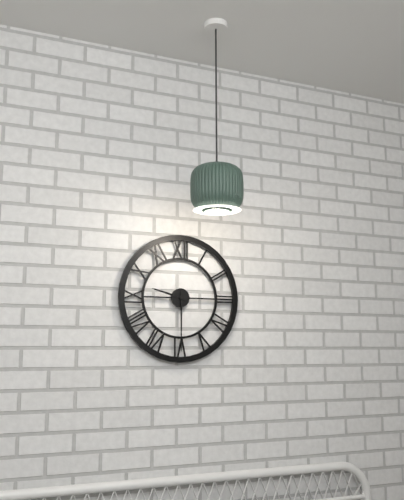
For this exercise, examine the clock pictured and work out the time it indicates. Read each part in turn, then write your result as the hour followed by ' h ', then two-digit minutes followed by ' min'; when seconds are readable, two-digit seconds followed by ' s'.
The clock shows 9 h 30 min
